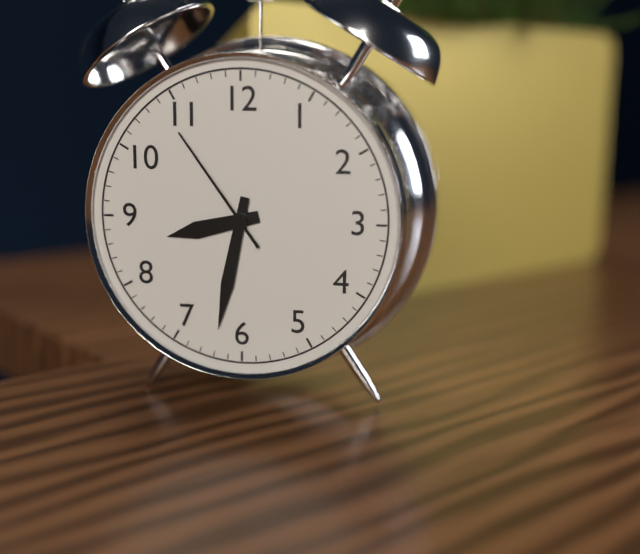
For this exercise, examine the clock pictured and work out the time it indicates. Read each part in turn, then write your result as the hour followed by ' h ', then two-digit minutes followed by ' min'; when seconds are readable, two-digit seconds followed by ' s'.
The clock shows 8 h 32 min 54 s
